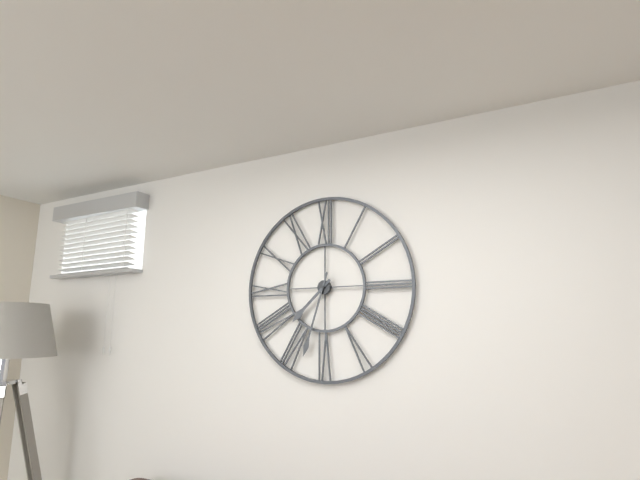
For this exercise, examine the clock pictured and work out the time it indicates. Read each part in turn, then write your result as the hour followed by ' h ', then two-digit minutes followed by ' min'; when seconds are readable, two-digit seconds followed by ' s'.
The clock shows 7 h 33 min
